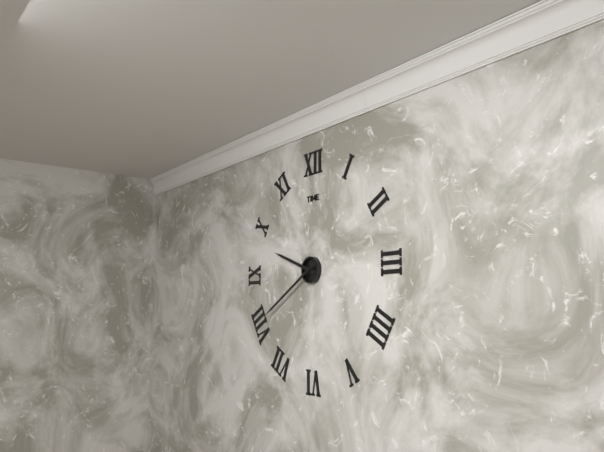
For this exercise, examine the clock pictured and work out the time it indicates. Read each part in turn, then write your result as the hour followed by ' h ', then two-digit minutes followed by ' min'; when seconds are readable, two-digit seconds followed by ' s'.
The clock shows 9 h 40 min
